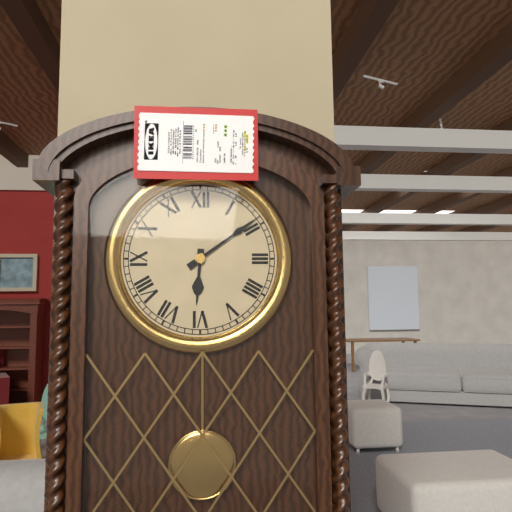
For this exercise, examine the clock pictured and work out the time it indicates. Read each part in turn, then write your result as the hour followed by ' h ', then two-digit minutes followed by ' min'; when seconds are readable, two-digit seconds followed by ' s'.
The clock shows 6 h 09 min
